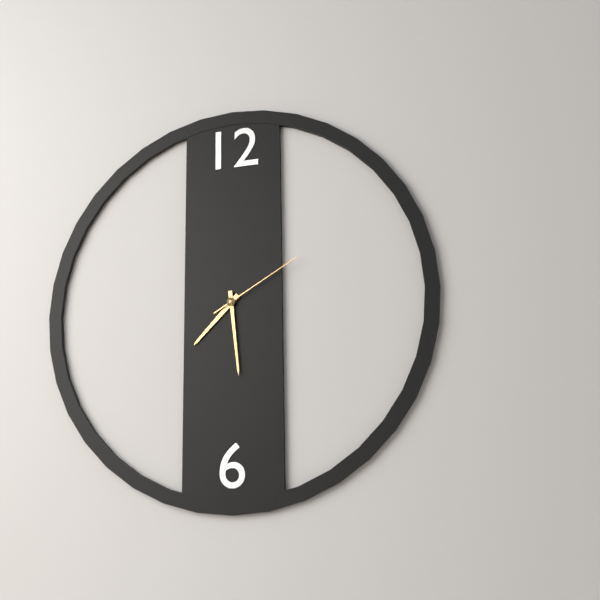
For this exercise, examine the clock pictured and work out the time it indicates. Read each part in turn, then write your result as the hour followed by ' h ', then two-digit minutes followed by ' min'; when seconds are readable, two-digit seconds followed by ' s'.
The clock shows 7 h 29 min 10 s
